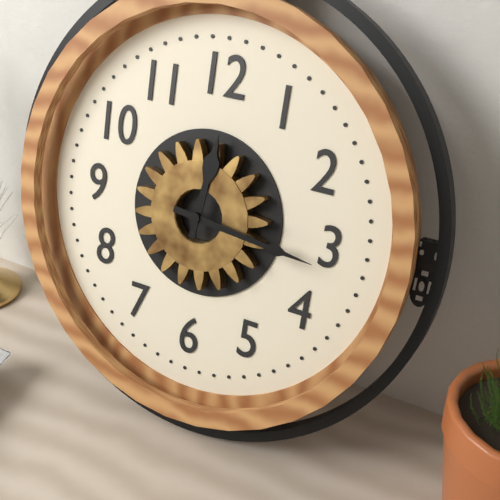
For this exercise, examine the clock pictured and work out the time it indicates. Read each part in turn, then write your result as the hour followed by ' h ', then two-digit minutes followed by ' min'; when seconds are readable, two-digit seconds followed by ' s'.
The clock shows 12 h 16 min
